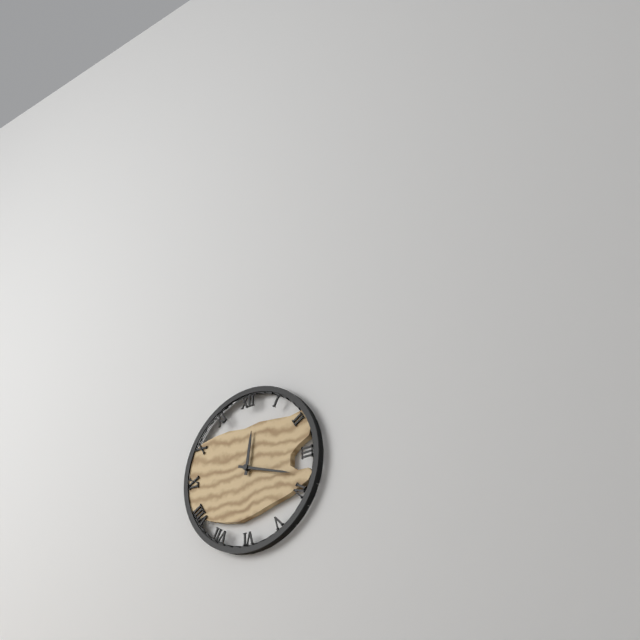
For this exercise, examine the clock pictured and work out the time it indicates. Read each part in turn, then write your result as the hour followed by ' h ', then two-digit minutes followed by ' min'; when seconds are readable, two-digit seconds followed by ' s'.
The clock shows 12 h 18 min
